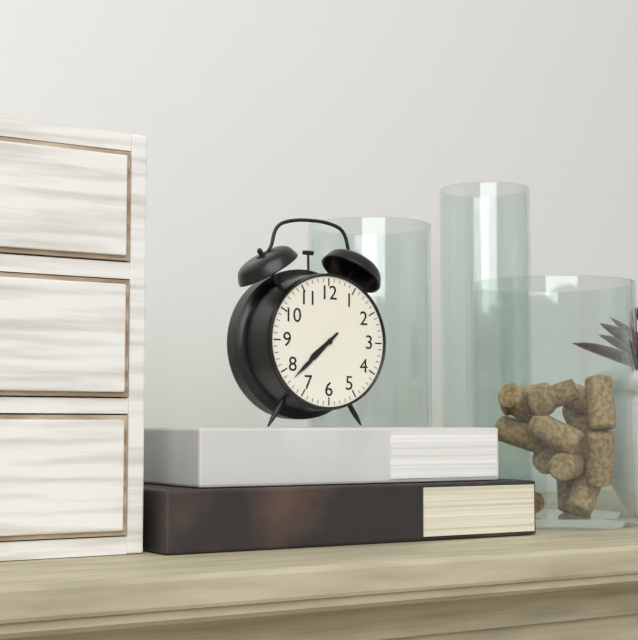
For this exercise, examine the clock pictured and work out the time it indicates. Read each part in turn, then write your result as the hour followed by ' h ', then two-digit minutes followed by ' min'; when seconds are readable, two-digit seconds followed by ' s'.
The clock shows 7 h 38 min
